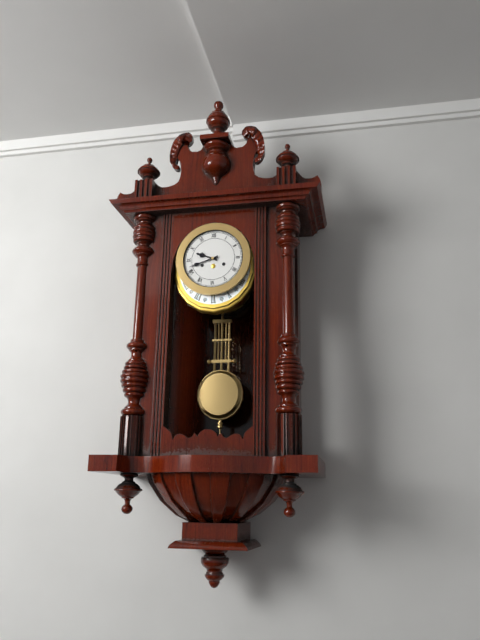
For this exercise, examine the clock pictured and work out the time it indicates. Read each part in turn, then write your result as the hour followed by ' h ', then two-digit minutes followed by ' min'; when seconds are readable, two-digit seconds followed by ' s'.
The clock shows 9 h 42 min
